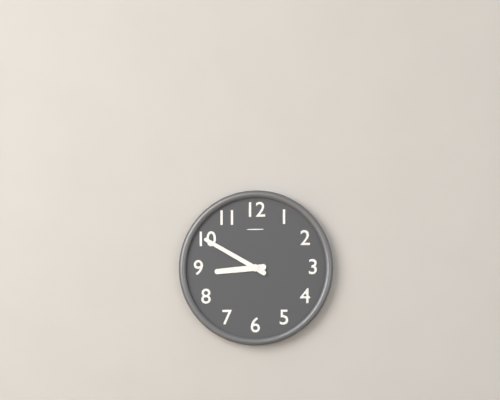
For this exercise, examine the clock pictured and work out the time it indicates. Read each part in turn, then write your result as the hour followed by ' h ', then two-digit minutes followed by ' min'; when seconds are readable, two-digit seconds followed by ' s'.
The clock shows 8 h 50 min
